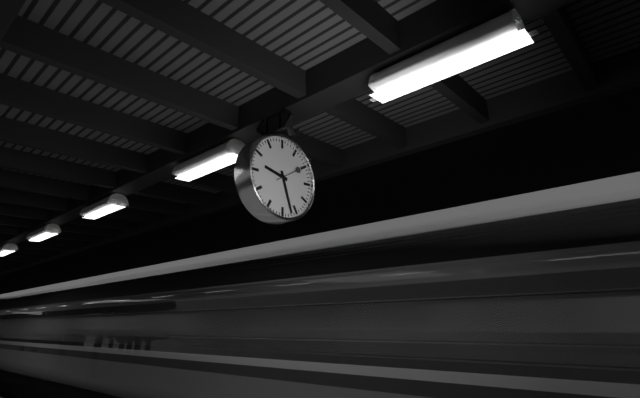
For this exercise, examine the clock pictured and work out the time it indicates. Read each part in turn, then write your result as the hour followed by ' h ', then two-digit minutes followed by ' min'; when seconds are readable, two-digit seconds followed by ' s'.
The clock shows 9 h 27 min
